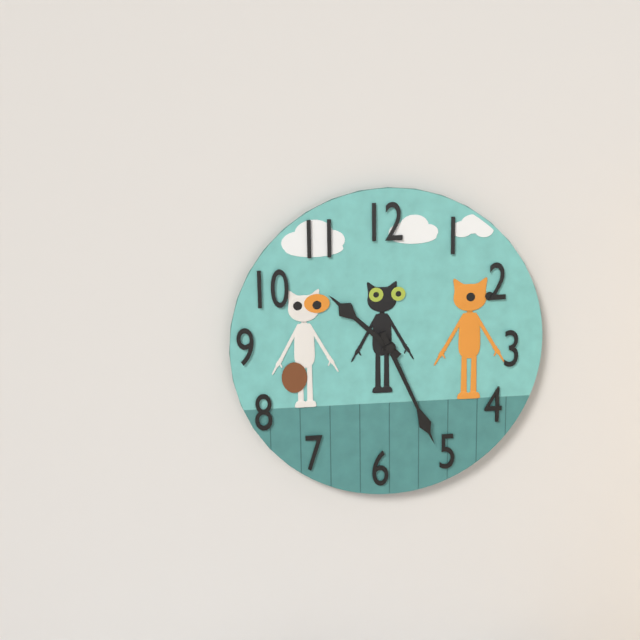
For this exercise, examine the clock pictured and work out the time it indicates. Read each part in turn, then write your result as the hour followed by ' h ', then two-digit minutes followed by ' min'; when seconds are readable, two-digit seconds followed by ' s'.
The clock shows 10 h 26 min
